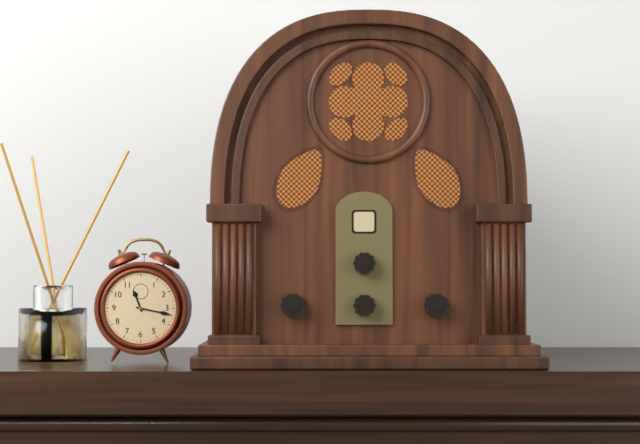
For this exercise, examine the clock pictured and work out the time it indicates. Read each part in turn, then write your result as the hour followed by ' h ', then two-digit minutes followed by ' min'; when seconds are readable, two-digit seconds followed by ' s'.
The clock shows 11 h 17 min
